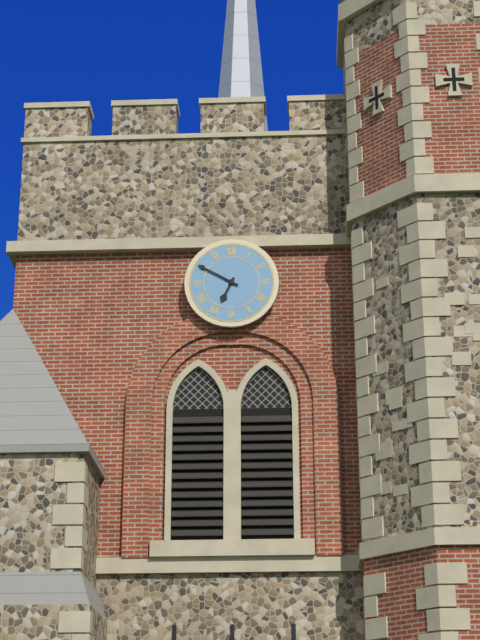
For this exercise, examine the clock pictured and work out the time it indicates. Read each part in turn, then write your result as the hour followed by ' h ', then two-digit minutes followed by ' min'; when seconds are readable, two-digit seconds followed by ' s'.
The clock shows 6 h 50 min
